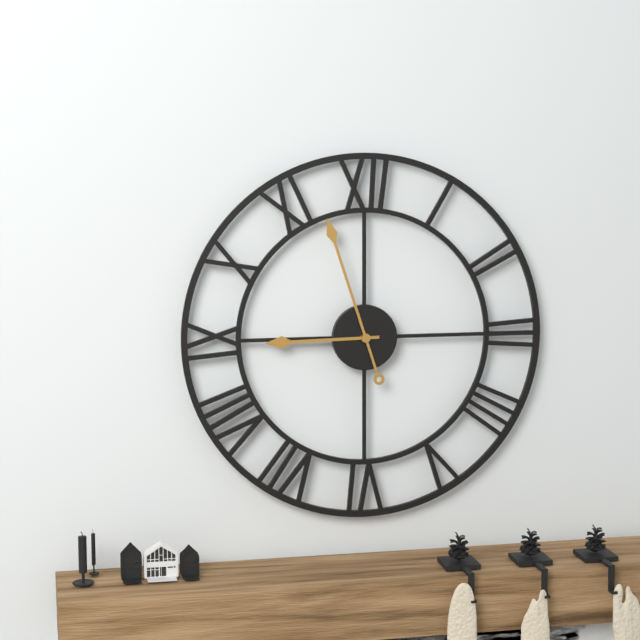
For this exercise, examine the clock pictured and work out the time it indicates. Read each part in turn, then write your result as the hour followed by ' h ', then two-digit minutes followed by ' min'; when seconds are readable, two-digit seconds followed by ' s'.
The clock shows 8 h 57 min
